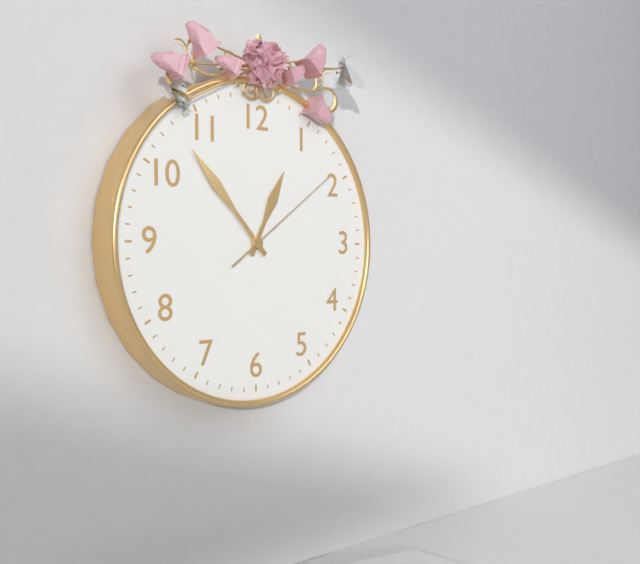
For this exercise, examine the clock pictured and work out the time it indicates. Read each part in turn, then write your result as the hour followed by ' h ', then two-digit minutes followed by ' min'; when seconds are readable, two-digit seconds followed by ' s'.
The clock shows 12 h 53 min 09 s
